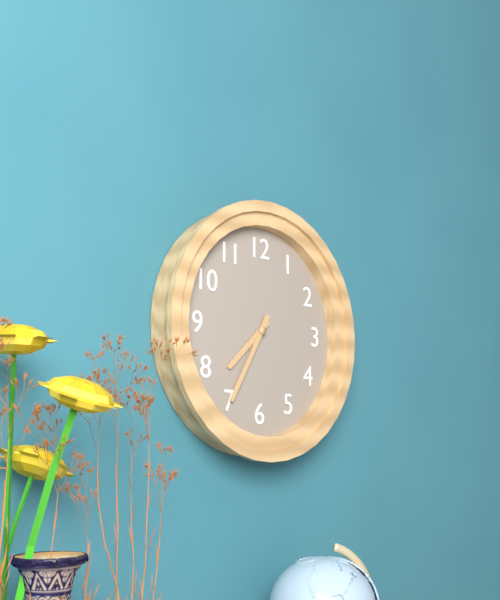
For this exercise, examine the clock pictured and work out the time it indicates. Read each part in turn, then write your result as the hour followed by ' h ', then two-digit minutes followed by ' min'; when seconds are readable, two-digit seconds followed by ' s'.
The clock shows 7 h 35 min
